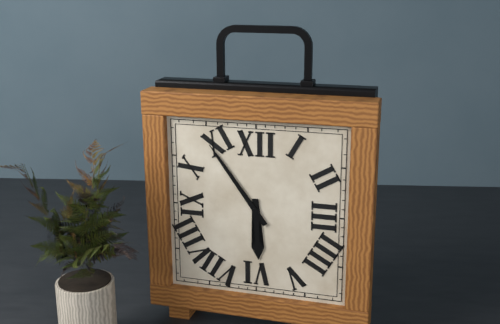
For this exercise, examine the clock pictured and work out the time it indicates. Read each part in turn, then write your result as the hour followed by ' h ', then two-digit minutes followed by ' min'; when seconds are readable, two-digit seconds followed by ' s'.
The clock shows 5 h 54 min
